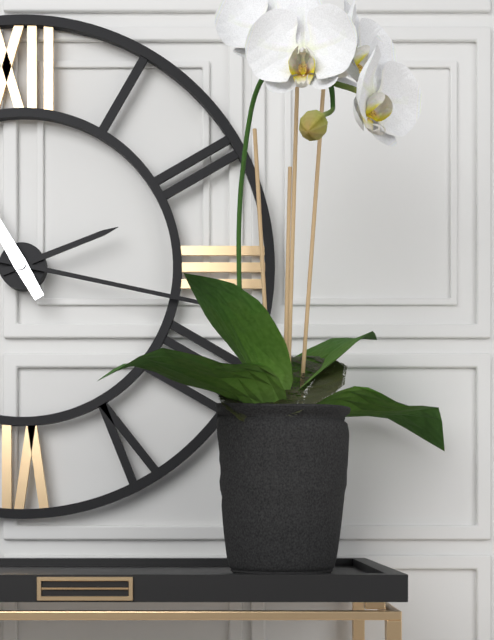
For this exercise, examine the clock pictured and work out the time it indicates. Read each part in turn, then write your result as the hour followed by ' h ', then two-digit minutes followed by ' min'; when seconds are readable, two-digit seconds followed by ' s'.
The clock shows 2 h 17 min
